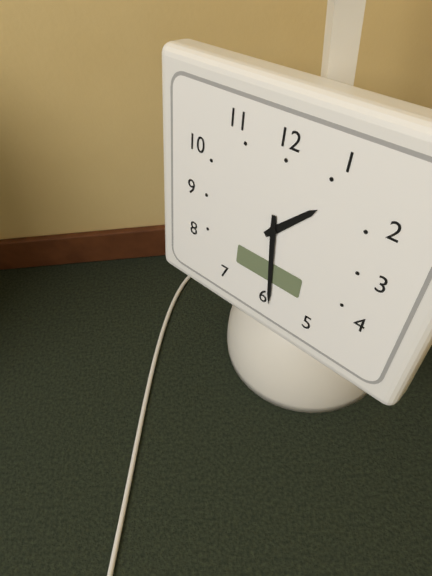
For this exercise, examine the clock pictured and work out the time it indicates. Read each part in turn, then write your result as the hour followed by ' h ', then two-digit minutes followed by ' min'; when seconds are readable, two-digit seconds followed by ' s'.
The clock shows 1 h 29 min
